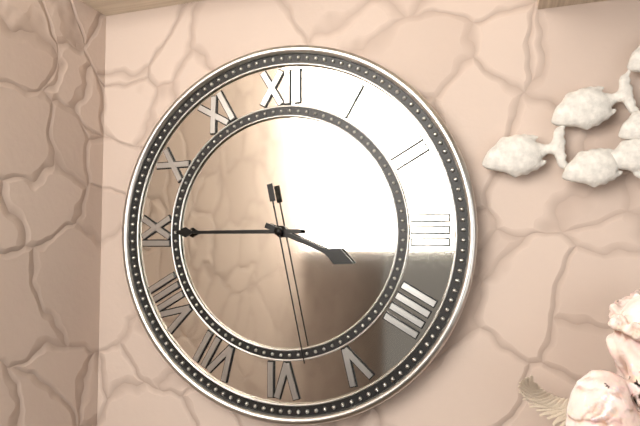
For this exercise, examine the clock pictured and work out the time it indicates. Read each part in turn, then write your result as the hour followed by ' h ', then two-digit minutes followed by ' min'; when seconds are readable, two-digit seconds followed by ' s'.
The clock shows 3 h 45 min 28 s
